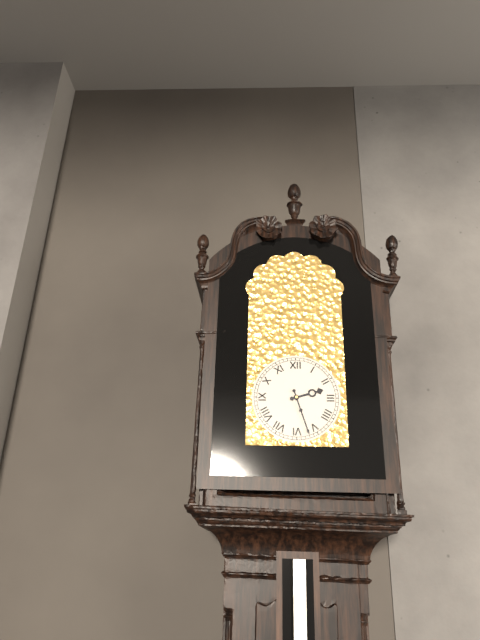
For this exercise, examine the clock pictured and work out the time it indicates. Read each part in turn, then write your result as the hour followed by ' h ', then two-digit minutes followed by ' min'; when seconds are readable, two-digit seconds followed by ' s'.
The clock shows 2 h 27 min
